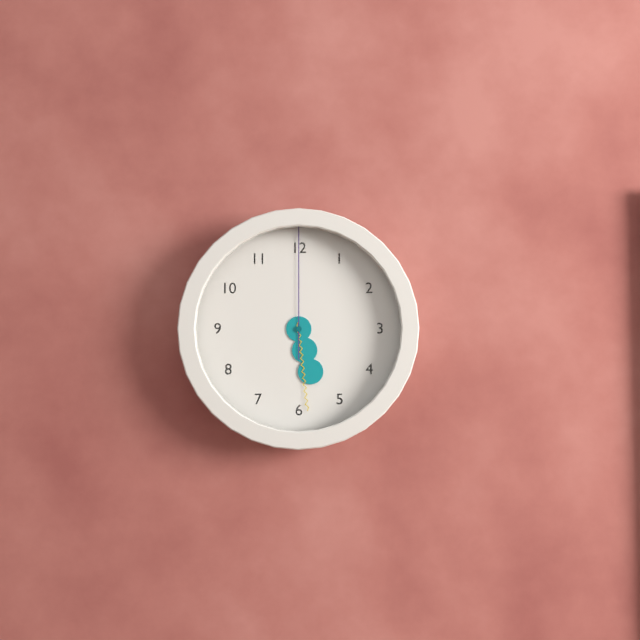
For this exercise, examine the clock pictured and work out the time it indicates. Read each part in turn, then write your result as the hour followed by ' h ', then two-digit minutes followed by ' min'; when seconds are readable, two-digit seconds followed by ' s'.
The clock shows 5 h 29 min 00 s
